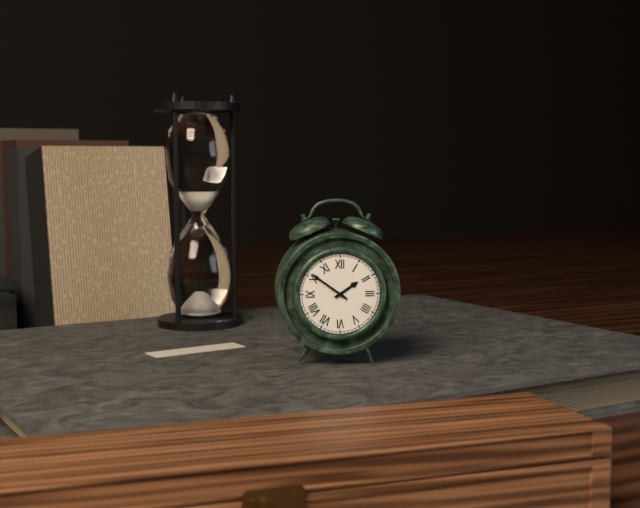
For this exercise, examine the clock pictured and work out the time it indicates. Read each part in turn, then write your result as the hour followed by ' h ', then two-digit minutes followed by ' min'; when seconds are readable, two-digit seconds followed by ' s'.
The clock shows 1 h 51 min
